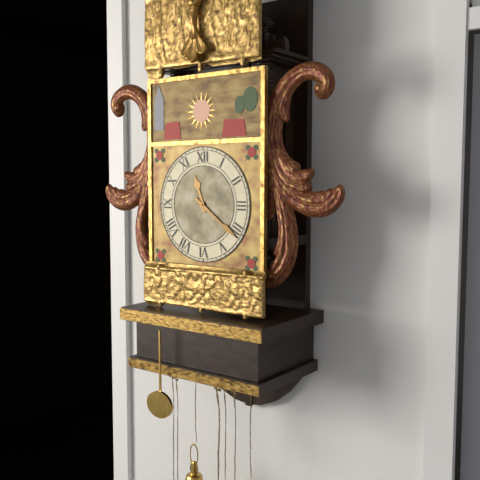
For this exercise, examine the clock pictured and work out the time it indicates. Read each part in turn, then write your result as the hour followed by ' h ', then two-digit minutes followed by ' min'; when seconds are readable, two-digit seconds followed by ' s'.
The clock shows 11 h 21 min
